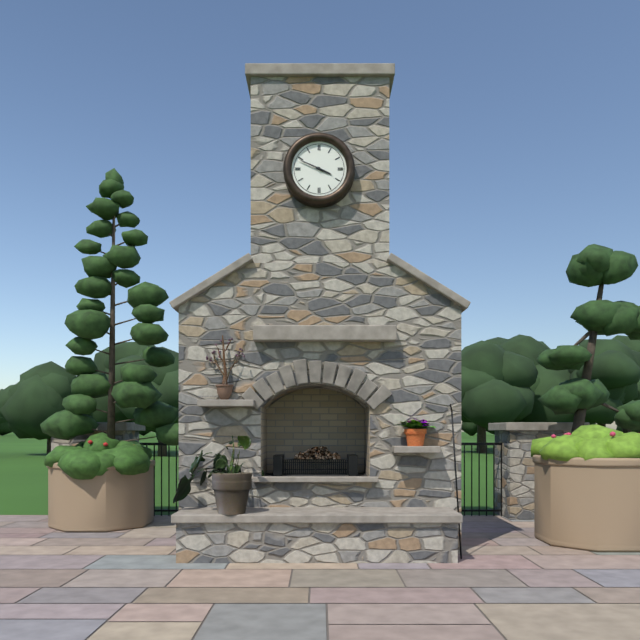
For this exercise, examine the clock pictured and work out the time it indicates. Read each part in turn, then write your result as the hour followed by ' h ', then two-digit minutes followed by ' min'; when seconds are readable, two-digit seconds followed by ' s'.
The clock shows 3 h 49 min
